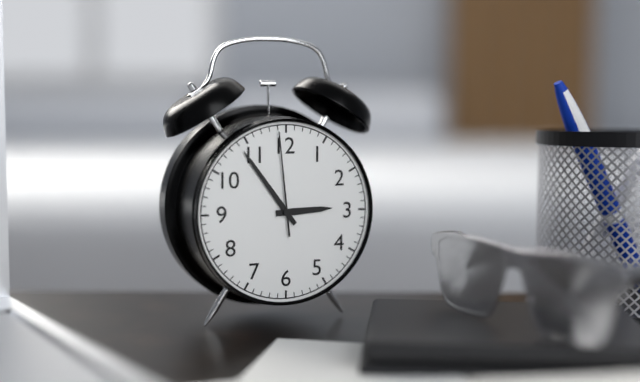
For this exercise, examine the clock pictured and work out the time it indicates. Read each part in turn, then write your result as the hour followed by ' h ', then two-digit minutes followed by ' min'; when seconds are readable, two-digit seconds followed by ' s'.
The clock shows 2 h 54 min 59 s
